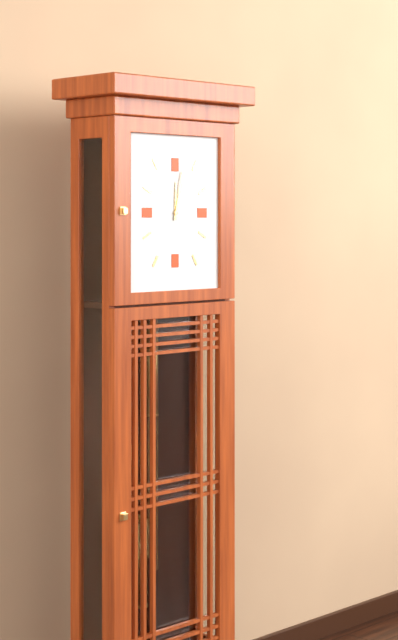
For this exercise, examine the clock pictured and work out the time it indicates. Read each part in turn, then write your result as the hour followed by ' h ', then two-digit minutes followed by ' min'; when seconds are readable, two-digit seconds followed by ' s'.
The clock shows 12 h 02 min
